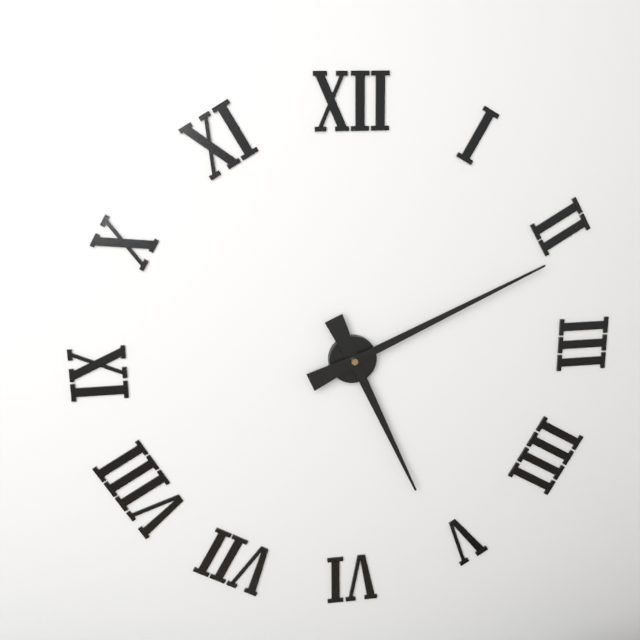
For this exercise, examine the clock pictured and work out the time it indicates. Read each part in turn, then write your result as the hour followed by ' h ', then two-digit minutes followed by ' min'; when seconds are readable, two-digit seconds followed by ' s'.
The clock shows 5 h 11 min
